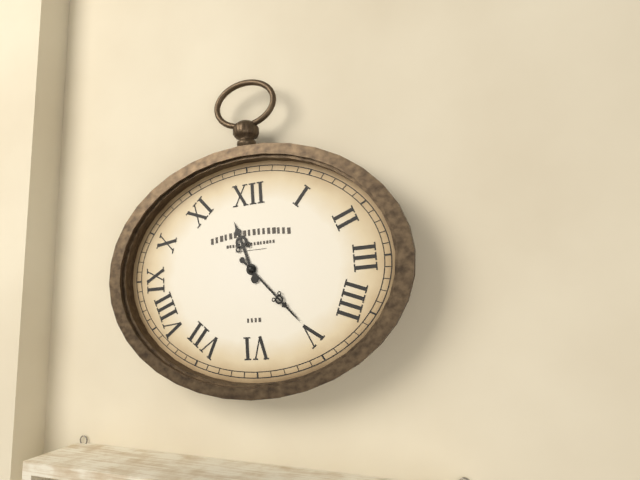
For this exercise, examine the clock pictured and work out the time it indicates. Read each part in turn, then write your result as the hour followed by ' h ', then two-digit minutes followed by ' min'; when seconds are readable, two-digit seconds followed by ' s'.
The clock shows 11 h 23 min
